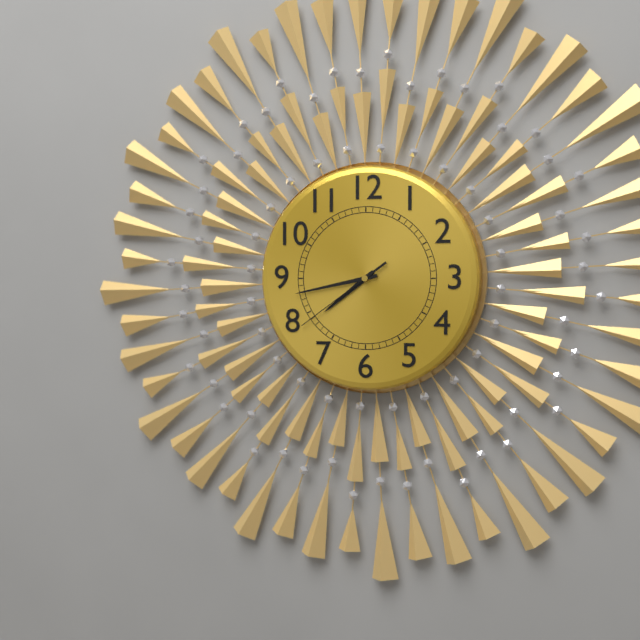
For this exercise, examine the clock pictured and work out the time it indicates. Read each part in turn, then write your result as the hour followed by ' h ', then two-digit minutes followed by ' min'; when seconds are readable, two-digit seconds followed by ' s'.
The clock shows 7 h 43 min 39 s
